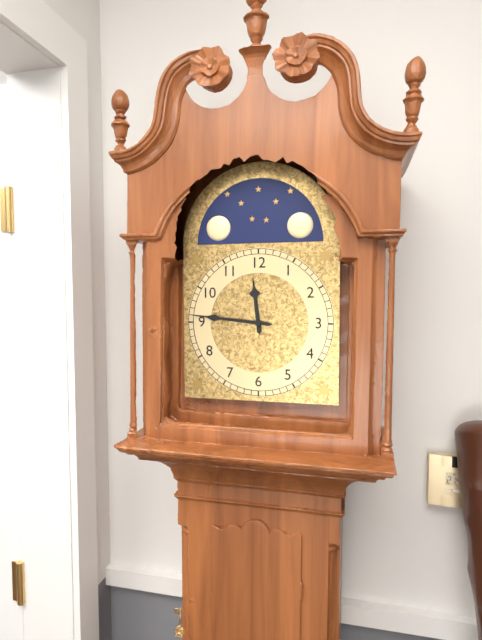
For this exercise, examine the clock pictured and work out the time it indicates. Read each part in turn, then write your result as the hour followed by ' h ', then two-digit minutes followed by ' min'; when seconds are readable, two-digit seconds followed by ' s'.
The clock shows 11 h 46 min
